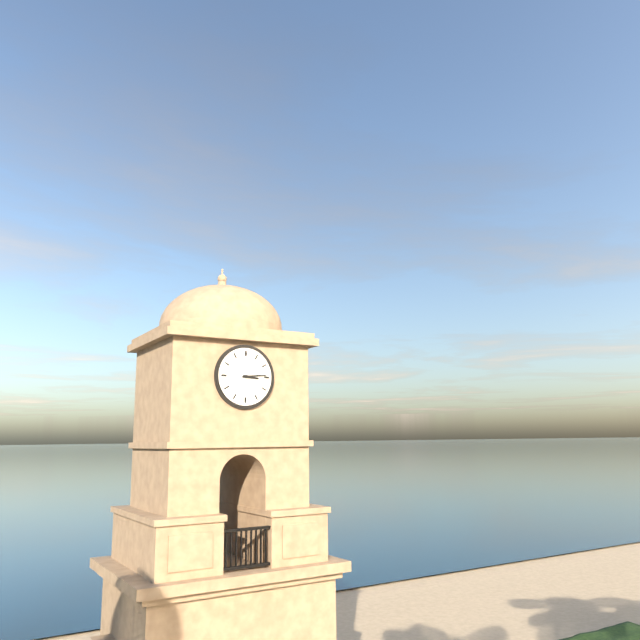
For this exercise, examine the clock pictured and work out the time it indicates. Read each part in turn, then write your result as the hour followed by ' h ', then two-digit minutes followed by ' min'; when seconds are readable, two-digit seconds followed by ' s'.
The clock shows 3 h 14 min
